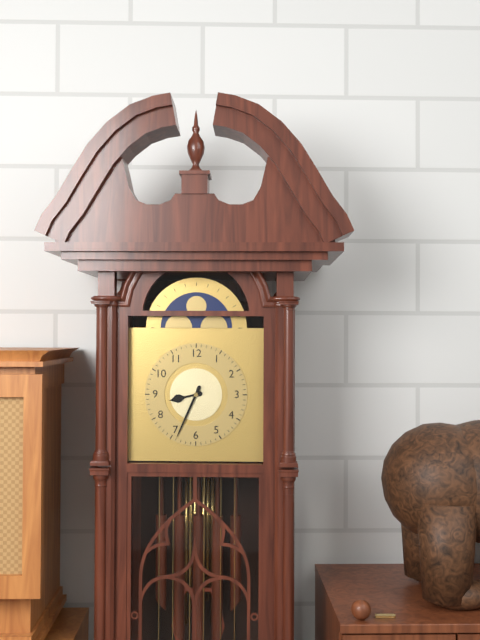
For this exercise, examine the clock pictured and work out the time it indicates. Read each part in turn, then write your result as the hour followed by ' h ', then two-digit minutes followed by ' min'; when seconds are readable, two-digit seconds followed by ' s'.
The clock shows 8 h 34 min
